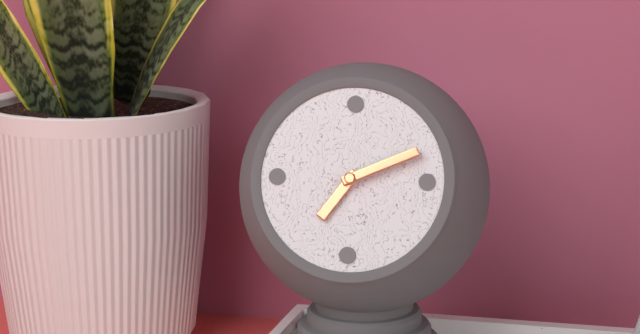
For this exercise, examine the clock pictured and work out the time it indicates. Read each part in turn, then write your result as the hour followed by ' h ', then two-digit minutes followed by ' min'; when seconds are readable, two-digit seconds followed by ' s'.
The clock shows 7 h 11 min
